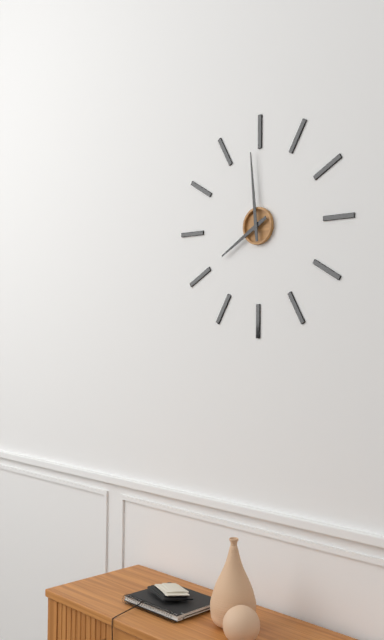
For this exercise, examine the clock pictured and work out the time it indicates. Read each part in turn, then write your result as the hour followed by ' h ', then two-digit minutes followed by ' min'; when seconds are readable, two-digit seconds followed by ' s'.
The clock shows 7 h 59 min
